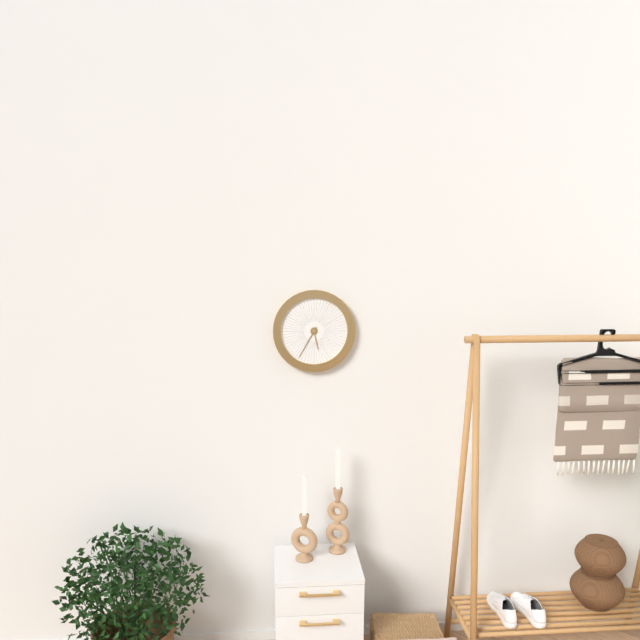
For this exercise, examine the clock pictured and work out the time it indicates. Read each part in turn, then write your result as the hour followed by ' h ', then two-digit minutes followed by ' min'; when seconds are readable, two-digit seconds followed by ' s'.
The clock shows 5 h 35 min
